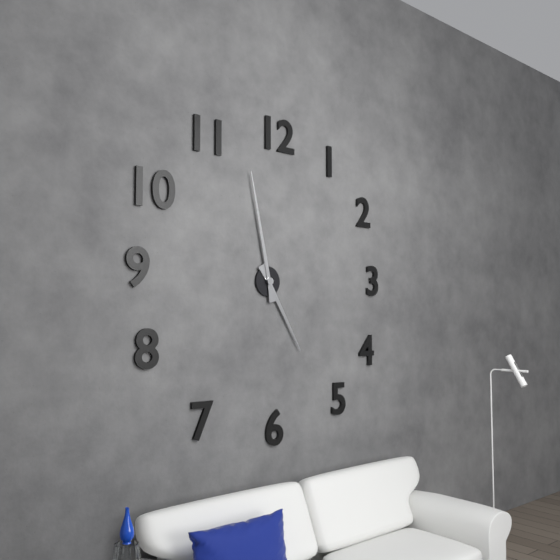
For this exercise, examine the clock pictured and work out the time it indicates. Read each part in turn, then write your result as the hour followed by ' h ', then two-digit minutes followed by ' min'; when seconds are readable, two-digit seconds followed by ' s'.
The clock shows 4 h 58 min
